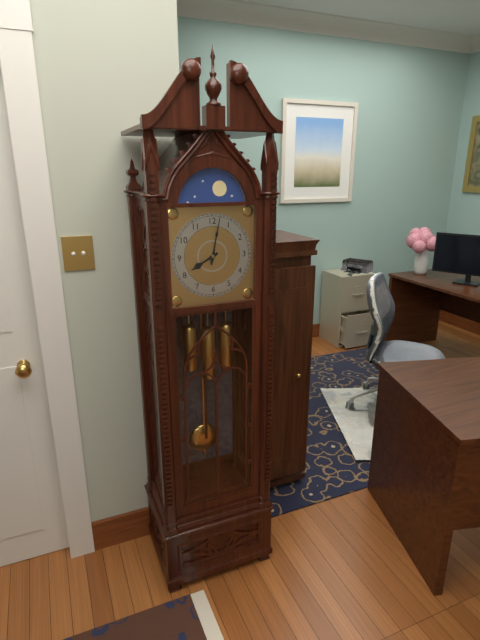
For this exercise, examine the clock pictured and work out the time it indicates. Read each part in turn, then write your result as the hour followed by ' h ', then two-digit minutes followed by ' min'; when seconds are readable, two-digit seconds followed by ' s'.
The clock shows 8 h 02 min
